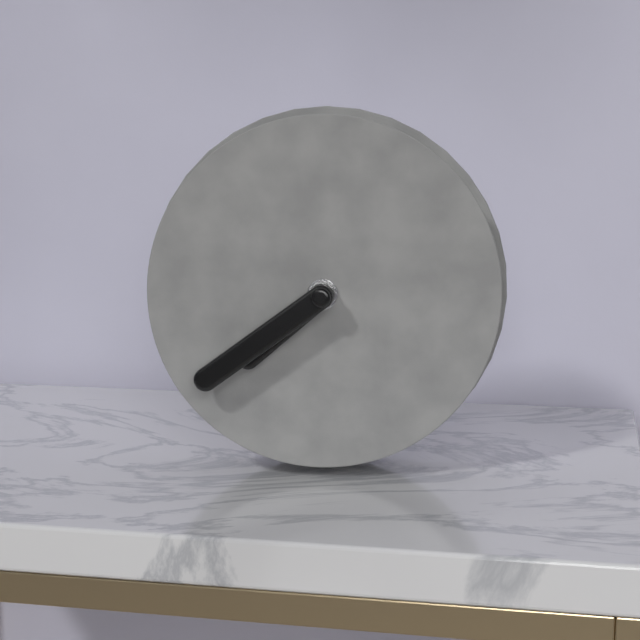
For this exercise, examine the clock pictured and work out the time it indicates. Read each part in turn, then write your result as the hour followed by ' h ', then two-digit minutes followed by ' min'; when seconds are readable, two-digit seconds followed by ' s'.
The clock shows 7 h 39 min
